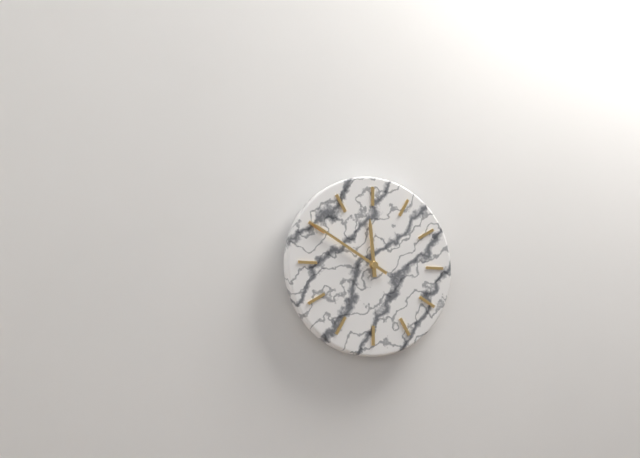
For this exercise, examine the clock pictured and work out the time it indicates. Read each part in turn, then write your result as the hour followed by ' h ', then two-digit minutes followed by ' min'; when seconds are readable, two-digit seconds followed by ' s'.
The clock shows 11 h 50 min
